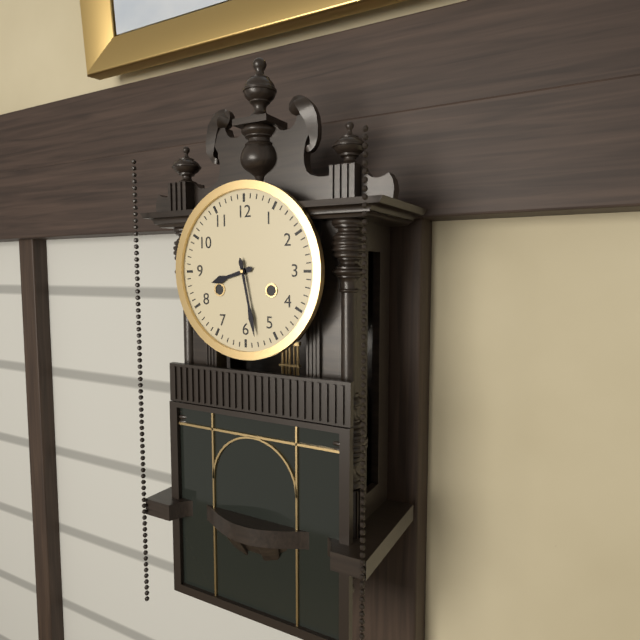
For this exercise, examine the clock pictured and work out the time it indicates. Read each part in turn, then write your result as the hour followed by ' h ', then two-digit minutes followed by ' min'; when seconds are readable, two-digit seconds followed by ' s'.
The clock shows 8 h 28 min
